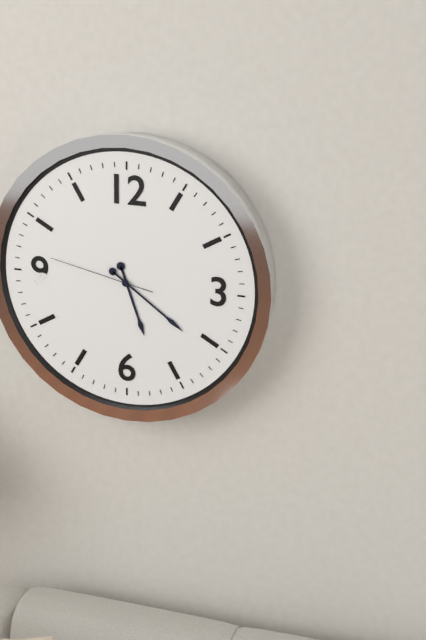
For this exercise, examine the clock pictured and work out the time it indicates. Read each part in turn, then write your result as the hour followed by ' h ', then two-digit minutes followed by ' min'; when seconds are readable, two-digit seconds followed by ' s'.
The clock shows 5 h 21 min 47 s
